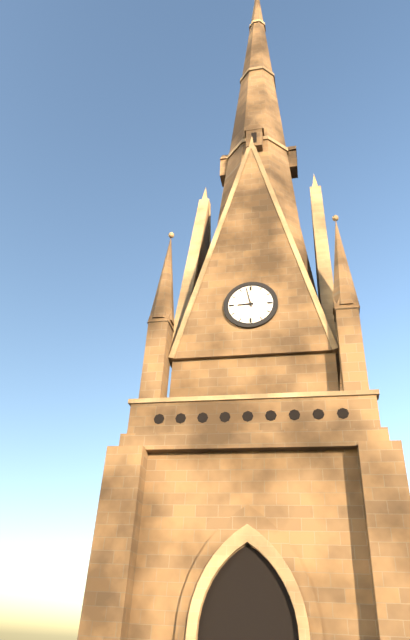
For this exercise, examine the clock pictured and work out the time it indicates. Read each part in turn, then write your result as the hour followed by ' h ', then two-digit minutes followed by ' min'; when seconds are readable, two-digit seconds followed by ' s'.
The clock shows 8 h 58 min
